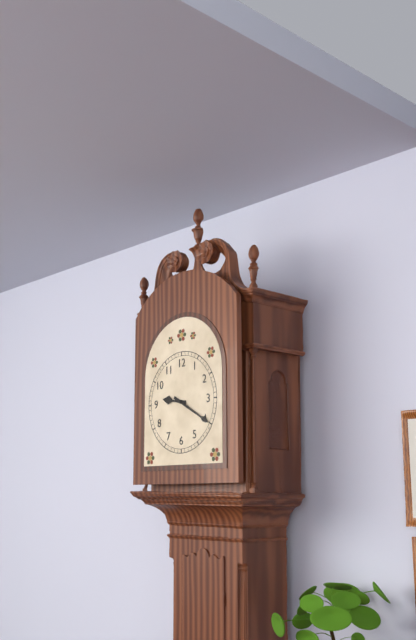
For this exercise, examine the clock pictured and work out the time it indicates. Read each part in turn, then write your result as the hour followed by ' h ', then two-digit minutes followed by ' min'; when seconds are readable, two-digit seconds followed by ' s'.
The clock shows 9 h 20 min
